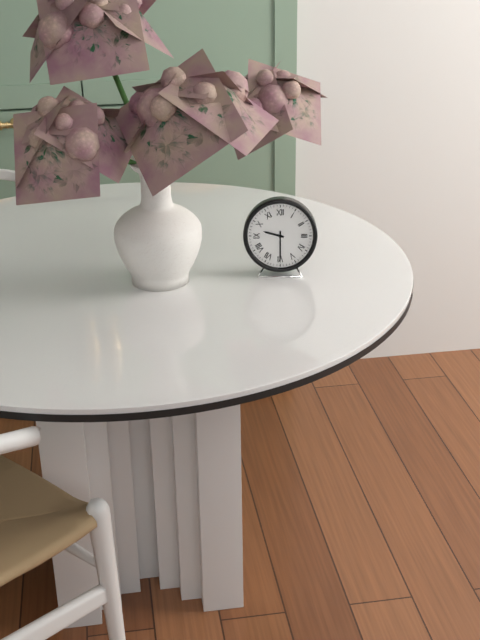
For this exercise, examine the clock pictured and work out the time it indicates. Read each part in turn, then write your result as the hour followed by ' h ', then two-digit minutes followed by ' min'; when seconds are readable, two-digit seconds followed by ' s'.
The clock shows 9 h 30 min
